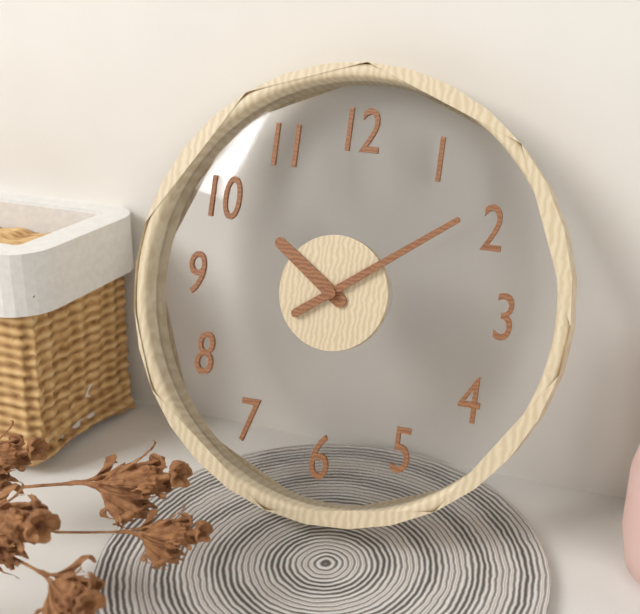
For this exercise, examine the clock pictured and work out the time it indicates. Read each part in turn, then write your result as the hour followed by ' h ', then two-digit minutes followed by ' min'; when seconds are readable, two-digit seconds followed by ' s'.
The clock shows 10 h 09 min
